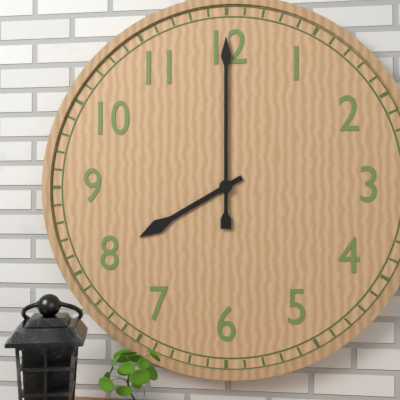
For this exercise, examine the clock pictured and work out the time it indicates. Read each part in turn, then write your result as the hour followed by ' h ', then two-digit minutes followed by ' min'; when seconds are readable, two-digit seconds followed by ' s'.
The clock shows 8 h 00 min
